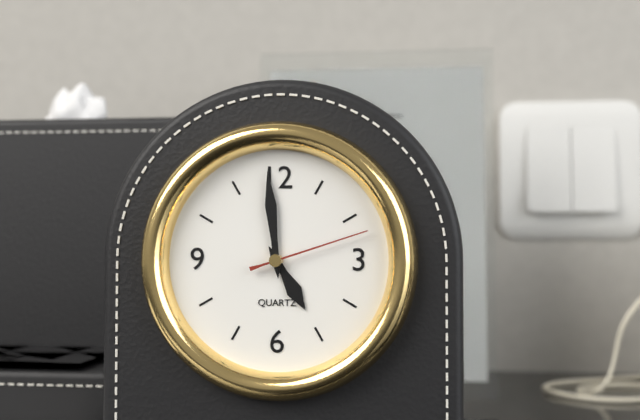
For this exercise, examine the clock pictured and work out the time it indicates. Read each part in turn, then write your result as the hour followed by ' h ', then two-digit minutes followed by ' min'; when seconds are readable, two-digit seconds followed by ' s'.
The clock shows 4 h 59 min 12 s
